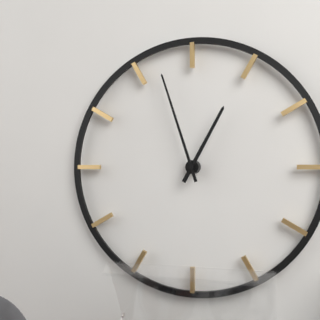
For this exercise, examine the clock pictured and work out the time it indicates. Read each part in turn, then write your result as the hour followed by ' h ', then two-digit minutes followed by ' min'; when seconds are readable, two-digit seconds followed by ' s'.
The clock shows 12 h 57 min
